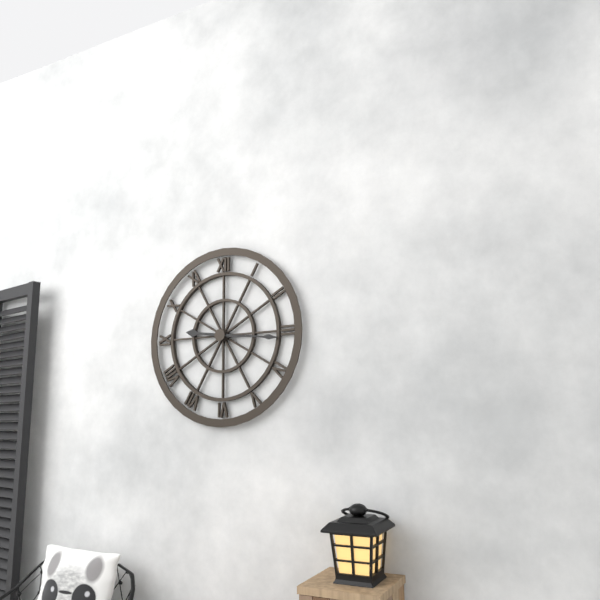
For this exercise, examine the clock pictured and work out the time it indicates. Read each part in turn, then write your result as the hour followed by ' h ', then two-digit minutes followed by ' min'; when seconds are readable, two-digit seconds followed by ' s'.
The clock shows 9 h 16 min
